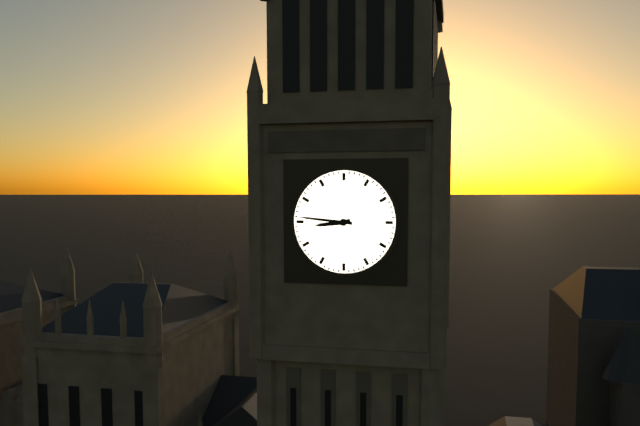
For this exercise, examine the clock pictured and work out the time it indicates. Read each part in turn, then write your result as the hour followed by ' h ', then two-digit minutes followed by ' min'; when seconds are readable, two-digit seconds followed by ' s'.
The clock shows 8 h 46 min
